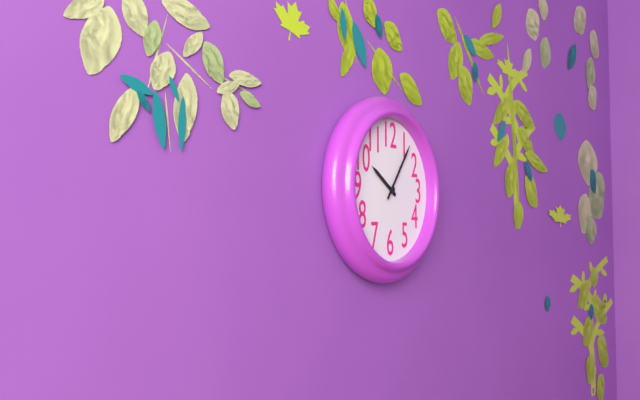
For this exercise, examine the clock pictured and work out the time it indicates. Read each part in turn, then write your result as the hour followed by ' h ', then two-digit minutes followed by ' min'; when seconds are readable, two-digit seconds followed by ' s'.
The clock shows 10 h 06 min
